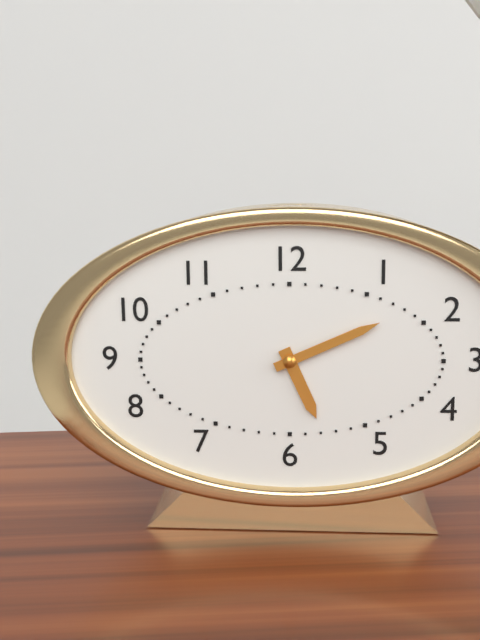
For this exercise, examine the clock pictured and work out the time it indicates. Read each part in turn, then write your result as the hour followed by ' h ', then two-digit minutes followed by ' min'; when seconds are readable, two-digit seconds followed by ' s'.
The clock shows 5 h 11 min
